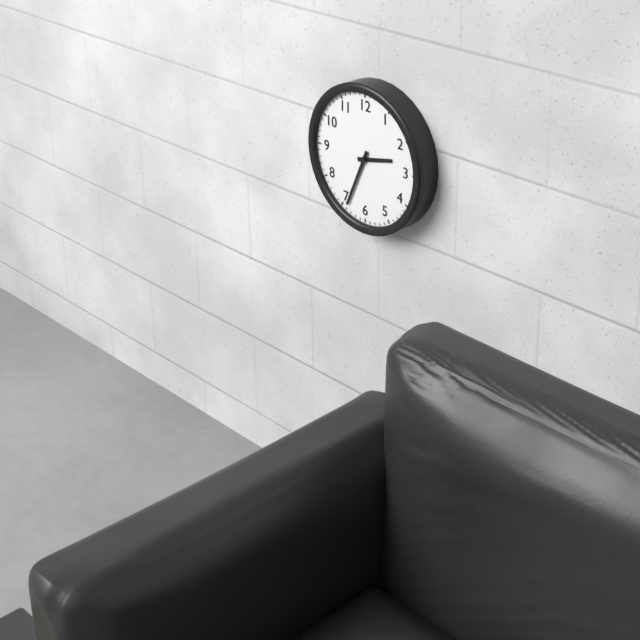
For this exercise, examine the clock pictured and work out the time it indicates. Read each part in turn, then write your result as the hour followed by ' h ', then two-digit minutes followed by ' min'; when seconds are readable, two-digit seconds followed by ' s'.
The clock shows 2 h 34 min
